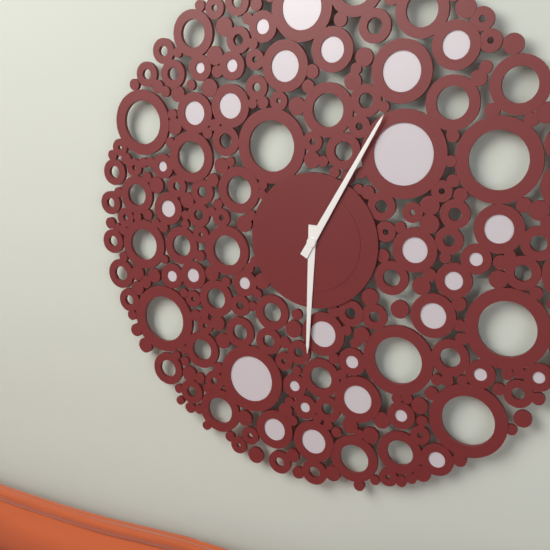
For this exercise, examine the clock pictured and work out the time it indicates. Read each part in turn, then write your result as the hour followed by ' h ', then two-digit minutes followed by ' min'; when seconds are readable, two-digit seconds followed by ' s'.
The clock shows 6 h 05 min
